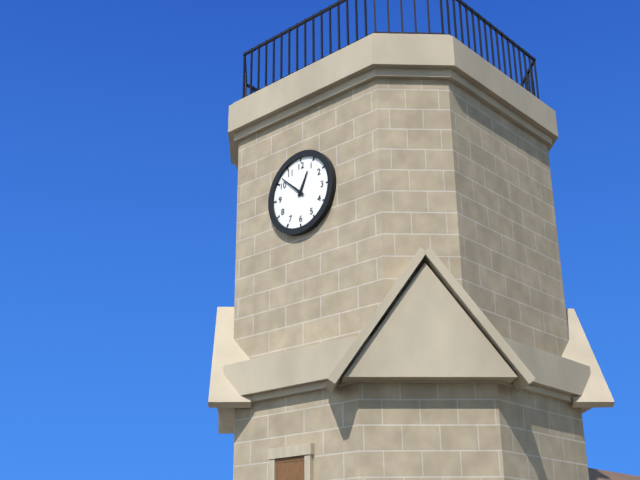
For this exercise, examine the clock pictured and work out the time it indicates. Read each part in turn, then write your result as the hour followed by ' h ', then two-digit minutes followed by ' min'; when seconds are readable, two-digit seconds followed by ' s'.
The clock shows 12 h 52 min
